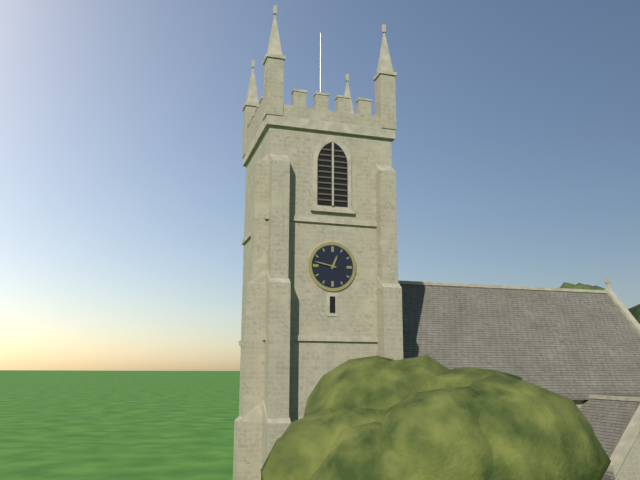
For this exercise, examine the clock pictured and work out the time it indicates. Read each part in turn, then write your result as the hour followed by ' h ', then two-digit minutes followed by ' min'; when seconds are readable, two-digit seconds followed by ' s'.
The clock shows 12 h 47 min
